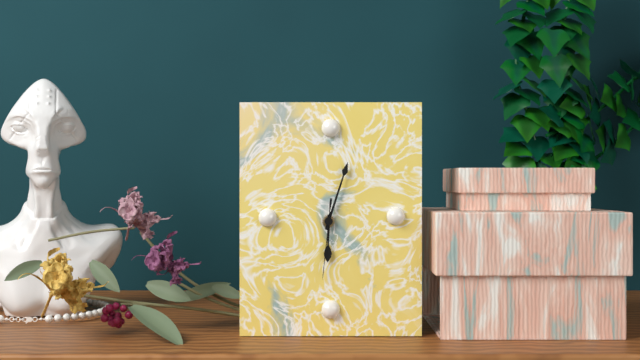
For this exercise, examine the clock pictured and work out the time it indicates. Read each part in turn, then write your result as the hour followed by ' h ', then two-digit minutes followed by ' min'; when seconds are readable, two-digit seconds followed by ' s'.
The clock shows 6 h 03 min 31 s
